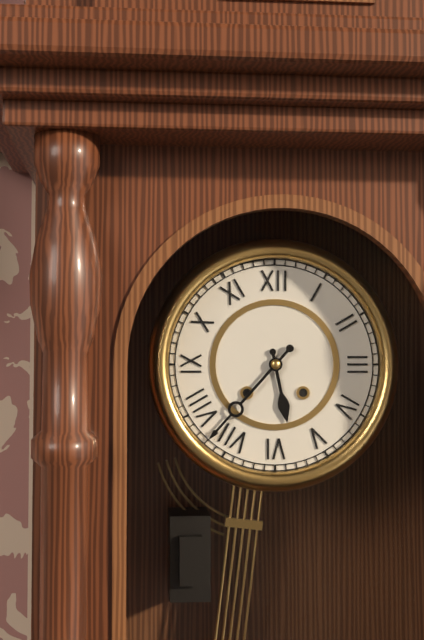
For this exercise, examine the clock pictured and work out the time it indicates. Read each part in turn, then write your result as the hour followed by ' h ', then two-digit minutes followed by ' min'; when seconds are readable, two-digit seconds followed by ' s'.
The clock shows 5 h 37 min
